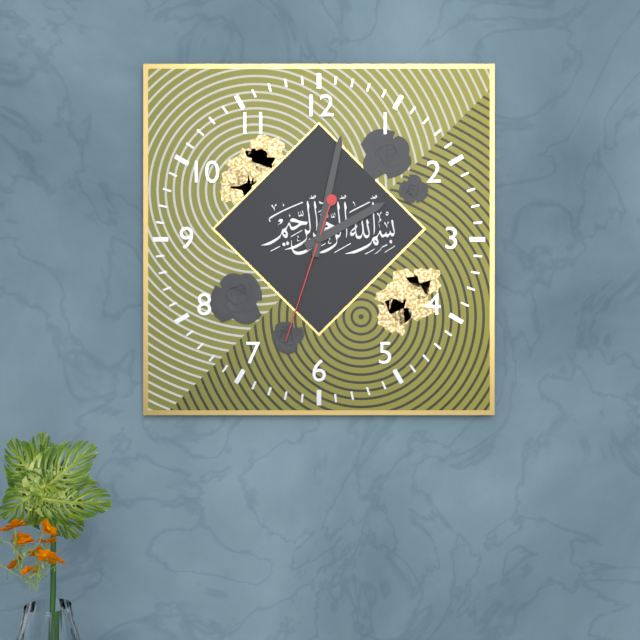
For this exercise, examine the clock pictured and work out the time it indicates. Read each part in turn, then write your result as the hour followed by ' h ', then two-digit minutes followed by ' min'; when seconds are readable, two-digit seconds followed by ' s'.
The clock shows 2 h 02 min 33 s
